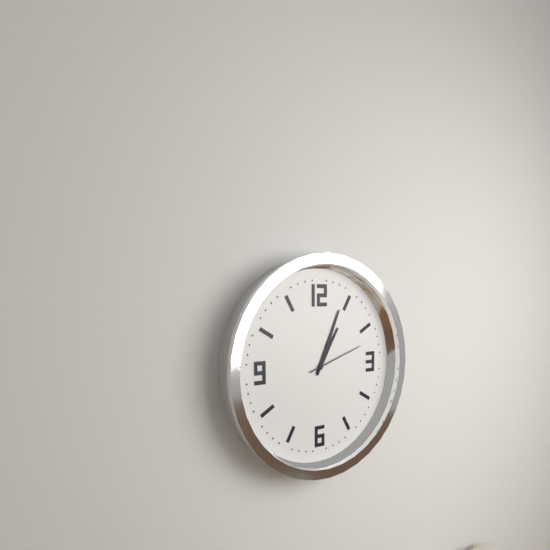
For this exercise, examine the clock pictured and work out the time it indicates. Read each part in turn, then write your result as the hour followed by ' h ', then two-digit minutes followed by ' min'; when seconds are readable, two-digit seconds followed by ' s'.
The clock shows 1 h 04 min 12 s
